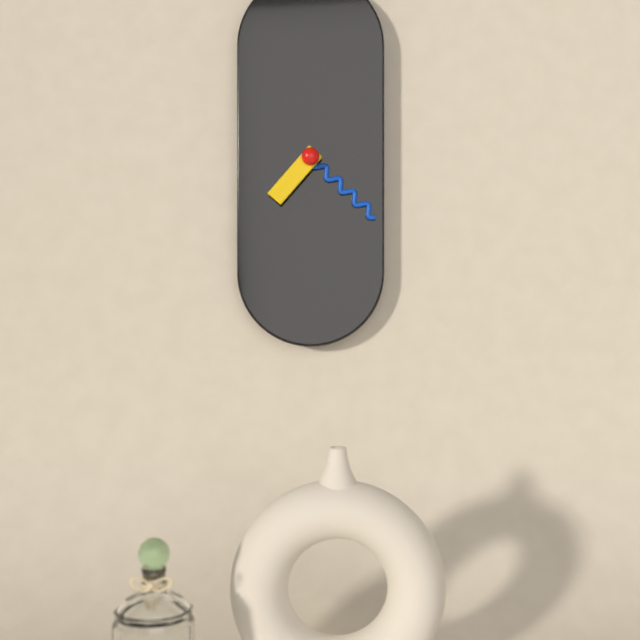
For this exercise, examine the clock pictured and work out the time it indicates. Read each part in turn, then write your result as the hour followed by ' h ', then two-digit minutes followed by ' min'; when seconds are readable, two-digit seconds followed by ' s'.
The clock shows 7 h 22 min
